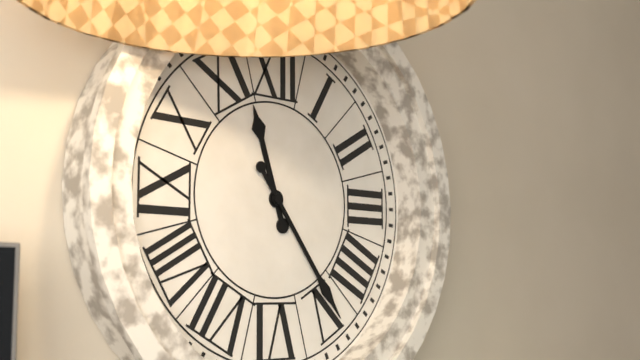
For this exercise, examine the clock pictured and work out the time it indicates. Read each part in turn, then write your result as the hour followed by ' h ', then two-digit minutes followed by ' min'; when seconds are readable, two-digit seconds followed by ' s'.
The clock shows 11 h 24 min
